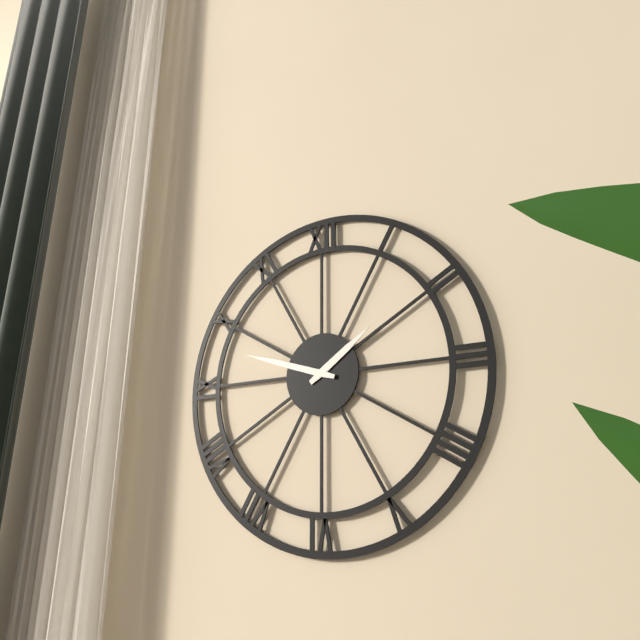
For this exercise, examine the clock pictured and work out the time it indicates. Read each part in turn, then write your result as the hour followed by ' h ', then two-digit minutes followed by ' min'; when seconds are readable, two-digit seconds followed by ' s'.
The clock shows 1 h 48 min
